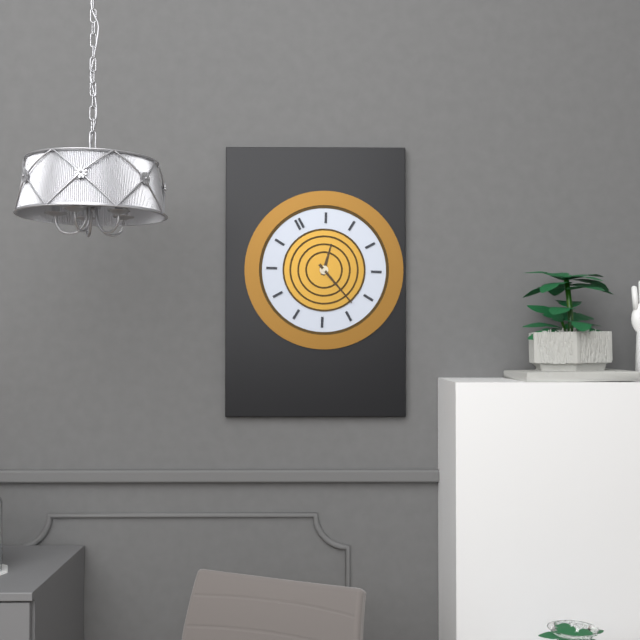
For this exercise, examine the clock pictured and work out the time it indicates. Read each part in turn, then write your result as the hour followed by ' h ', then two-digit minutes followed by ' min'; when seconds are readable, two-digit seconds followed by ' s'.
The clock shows 1 h 28 min
